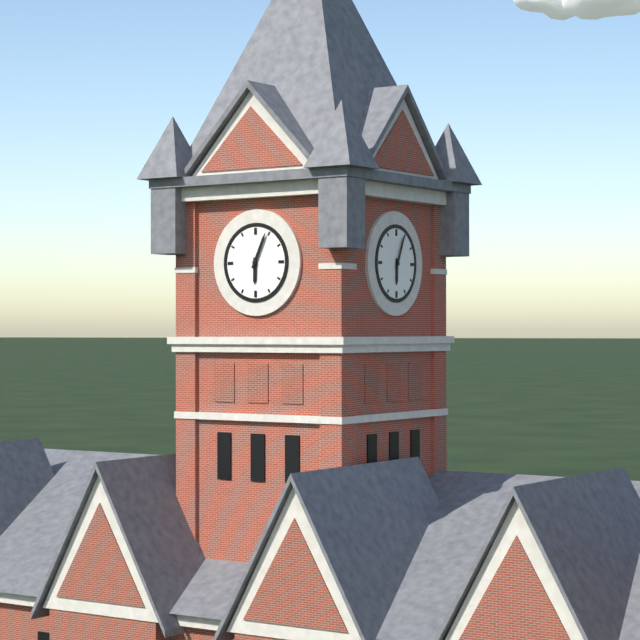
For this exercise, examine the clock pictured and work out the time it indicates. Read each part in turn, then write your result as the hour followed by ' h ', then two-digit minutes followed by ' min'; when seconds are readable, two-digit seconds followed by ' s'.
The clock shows 6 h 04 min
